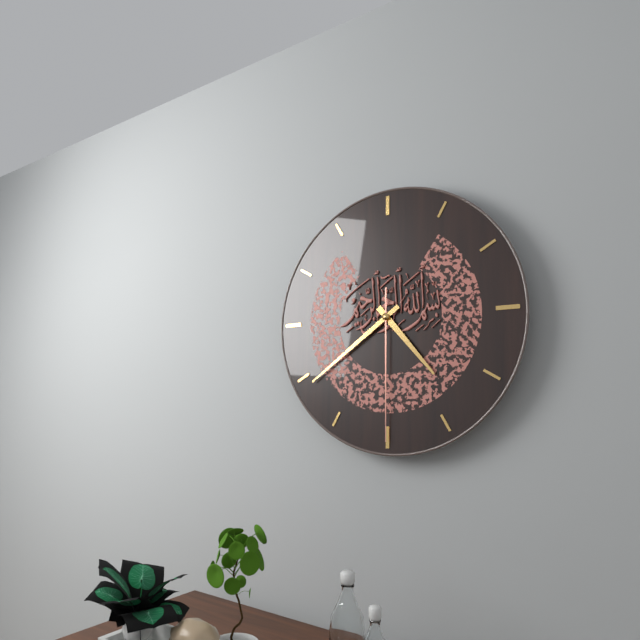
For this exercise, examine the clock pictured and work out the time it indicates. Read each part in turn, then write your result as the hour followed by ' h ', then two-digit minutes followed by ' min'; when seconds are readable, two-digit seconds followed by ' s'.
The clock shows 4 h 39 min 30 s
